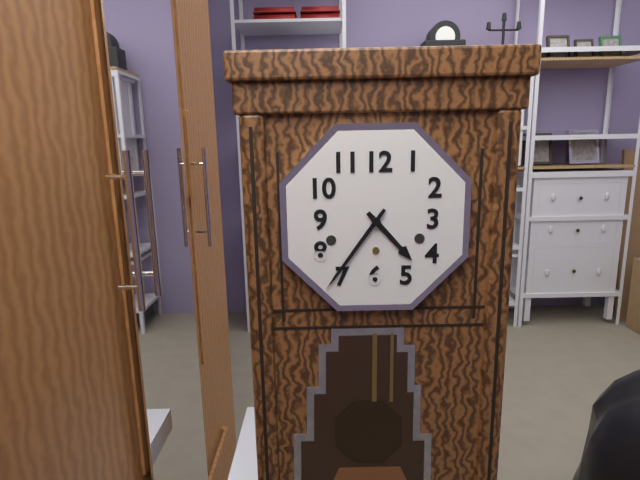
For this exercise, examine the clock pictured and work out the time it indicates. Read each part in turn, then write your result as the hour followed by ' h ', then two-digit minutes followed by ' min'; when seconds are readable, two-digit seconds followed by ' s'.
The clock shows 4 h 36 min
